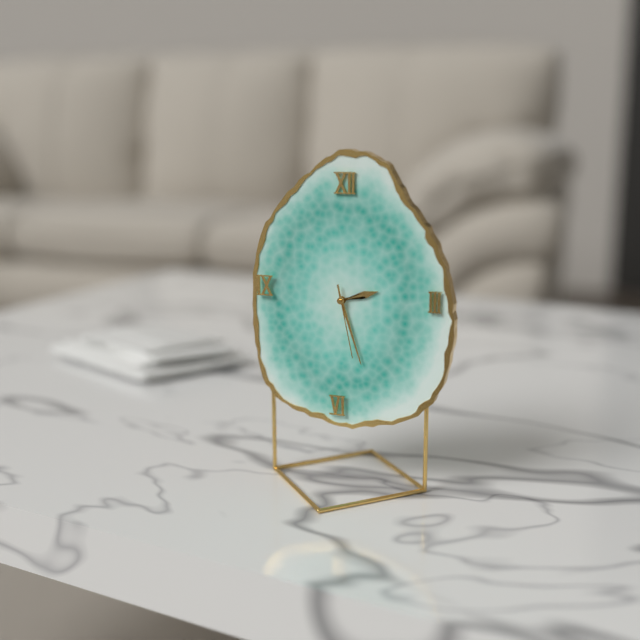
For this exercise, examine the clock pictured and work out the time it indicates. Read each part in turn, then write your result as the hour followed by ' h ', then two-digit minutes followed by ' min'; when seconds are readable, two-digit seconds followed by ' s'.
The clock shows 2 h 27 min 28 s
